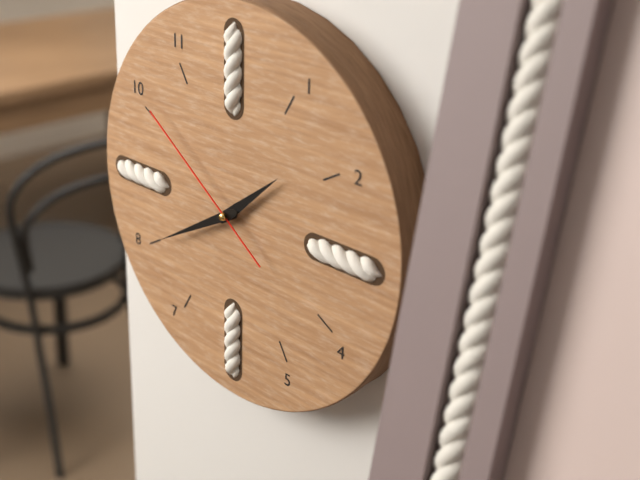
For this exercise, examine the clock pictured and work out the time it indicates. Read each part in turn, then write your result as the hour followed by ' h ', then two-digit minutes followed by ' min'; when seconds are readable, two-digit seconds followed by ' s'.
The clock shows 1 h 40 min 51 s
